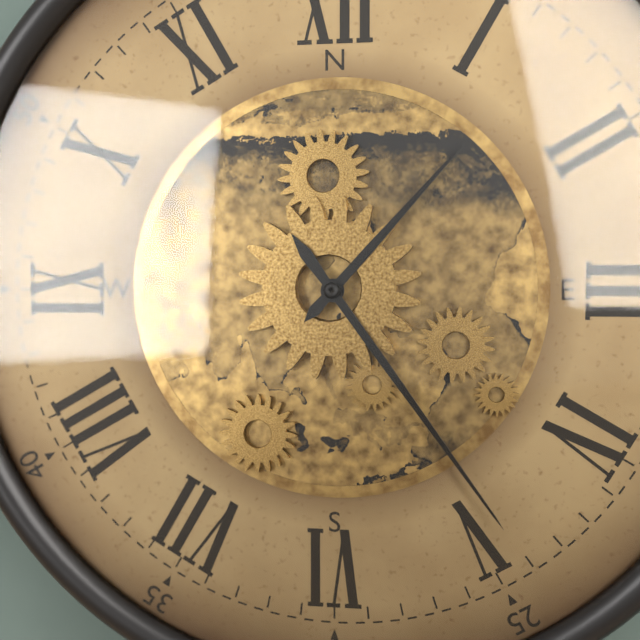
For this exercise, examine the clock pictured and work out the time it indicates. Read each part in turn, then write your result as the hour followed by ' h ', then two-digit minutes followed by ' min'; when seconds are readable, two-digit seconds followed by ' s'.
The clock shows 1 h 24 min
